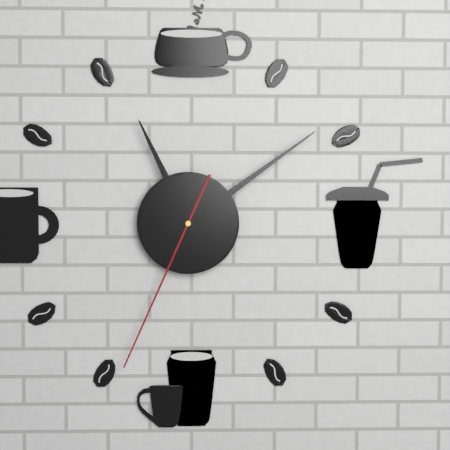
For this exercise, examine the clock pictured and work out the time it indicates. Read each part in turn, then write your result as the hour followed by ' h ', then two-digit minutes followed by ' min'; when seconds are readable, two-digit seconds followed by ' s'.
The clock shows 11 h 09 min 34 s
